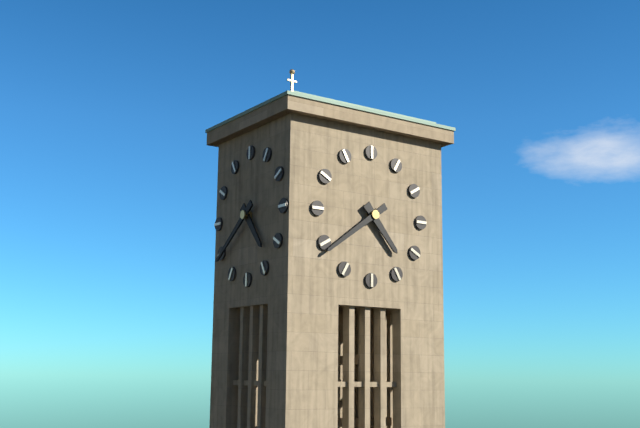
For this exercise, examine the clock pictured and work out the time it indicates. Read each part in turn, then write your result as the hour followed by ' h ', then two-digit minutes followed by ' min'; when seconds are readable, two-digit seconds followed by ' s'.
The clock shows 4 h 39 min
